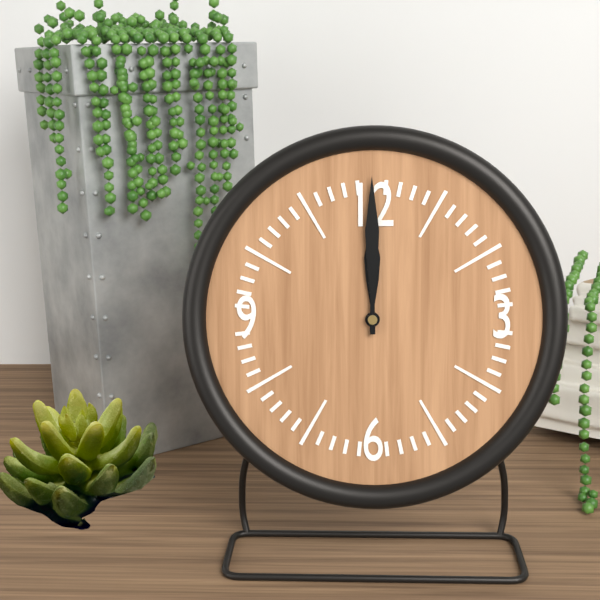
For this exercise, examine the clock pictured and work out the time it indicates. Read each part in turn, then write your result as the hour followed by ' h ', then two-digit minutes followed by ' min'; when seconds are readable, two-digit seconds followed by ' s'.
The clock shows 12 h 00 min
